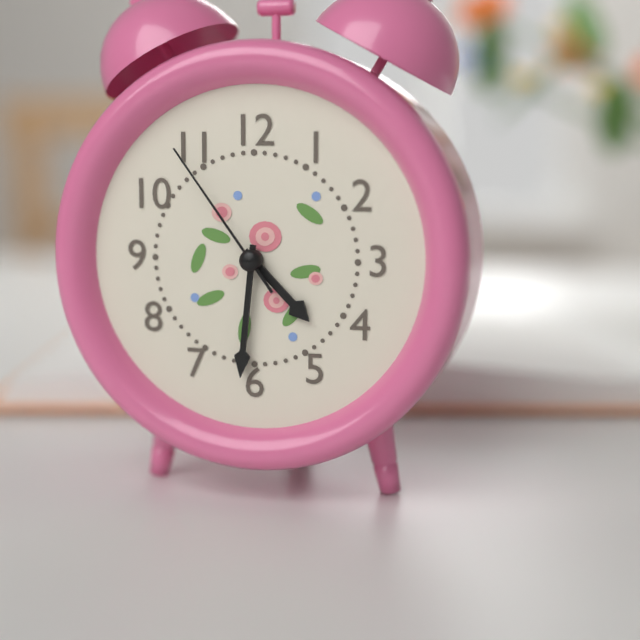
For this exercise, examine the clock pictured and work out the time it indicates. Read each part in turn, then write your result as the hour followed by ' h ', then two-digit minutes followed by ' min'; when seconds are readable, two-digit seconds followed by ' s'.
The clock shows 4 h 31 min 54 s
